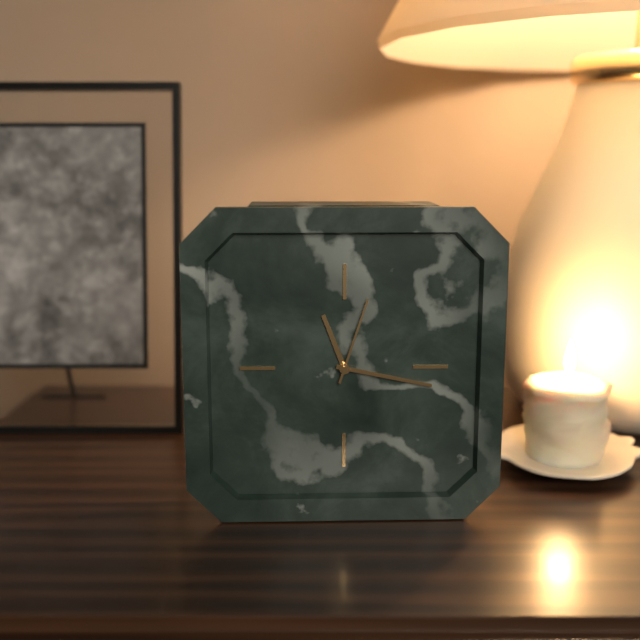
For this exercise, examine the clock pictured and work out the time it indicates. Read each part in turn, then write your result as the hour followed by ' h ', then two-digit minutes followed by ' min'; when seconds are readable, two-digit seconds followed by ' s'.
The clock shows 11 h 17 min 03 s
